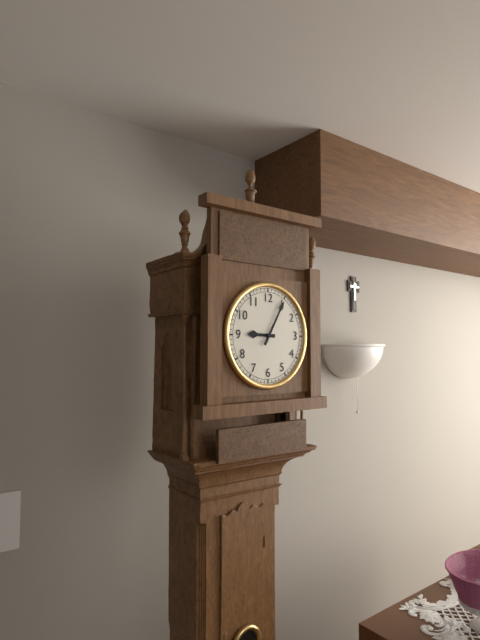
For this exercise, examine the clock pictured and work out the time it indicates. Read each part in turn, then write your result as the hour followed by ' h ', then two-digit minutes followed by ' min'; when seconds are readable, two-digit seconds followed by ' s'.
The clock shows 9 h 05 min
